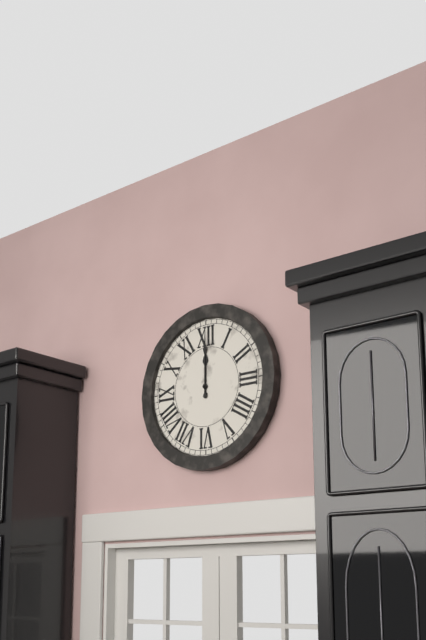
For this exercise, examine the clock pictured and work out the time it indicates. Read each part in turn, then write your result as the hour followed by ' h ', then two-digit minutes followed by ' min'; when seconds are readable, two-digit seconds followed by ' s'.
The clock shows 12 h 00 min
